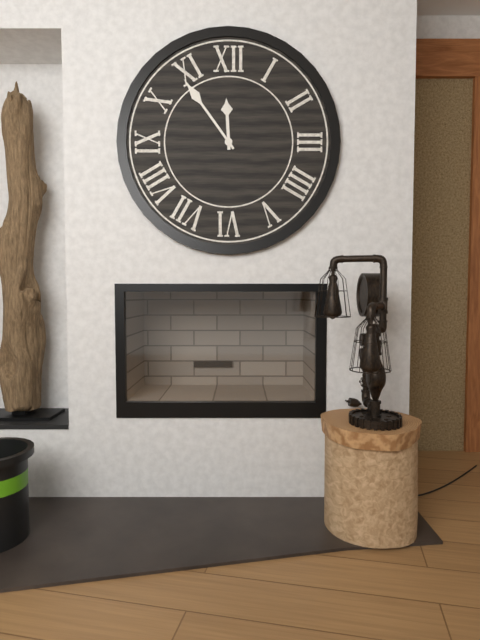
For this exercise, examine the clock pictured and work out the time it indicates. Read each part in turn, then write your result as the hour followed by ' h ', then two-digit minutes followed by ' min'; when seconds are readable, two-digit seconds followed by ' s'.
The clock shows 11 h 54 min
